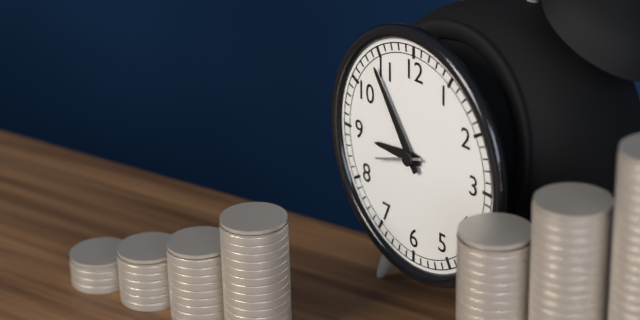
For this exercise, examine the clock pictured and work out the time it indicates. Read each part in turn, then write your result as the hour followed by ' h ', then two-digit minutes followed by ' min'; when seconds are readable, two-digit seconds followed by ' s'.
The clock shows 8 h 54 min
